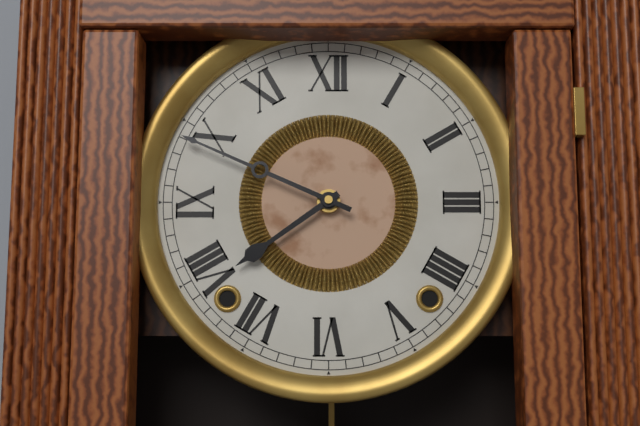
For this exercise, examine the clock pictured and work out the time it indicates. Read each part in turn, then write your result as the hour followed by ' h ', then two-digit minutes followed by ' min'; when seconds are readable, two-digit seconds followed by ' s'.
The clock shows 7 h 49 min
